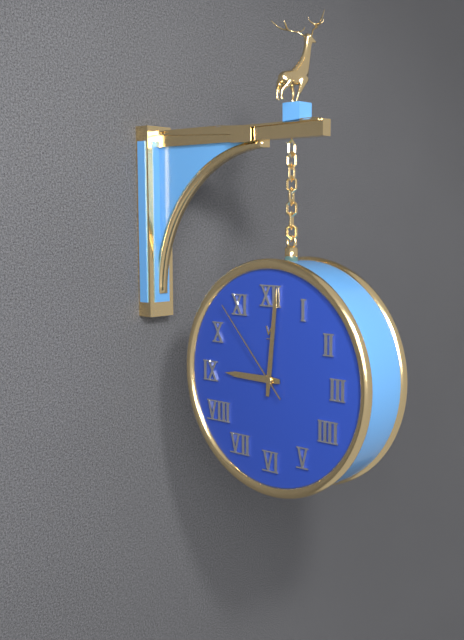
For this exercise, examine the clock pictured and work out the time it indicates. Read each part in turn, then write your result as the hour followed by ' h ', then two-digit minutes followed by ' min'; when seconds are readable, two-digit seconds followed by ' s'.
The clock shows 9 h 01 min 53 s
